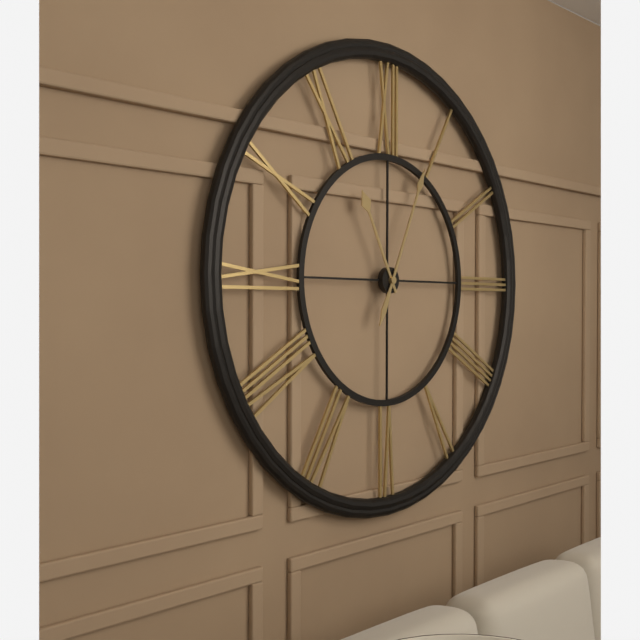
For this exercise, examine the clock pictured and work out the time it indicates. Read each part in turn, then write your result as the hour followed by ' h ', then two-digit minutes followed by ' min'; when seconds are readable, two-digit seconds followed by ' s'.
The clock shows 11 h 04 min
